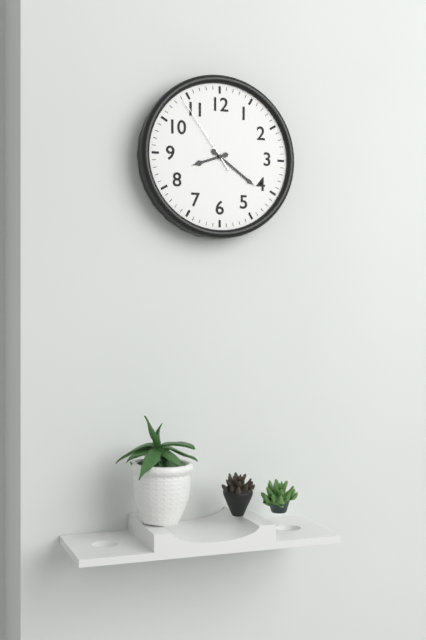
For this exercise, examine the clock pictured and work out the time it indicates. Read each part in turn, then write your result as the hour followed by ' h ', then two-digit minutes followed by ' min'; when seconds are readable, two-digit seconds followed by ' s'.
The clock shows 8 h 21 min 54 s
